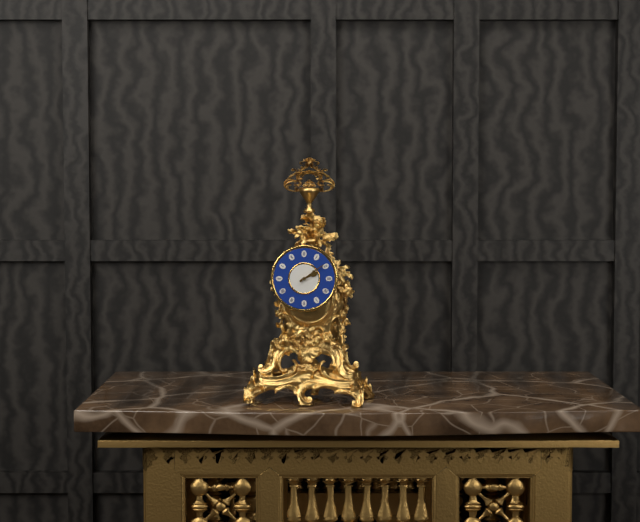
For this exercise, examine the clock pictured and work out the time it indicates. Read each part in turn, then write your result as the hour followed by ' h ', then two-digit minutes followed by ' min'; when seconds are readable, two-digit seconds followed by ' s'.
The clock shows 2 h 09 min
